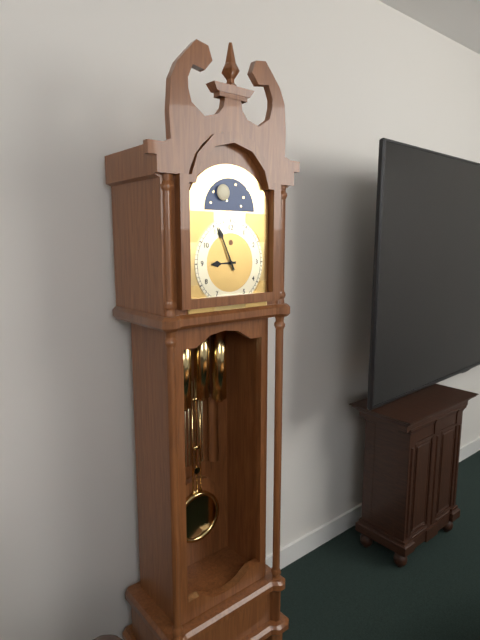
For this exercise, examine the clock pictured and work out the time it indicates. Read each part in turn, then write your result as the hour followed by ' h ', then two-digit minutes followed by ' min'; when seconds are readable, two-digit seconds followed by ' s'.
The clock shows 8 h 56 min
